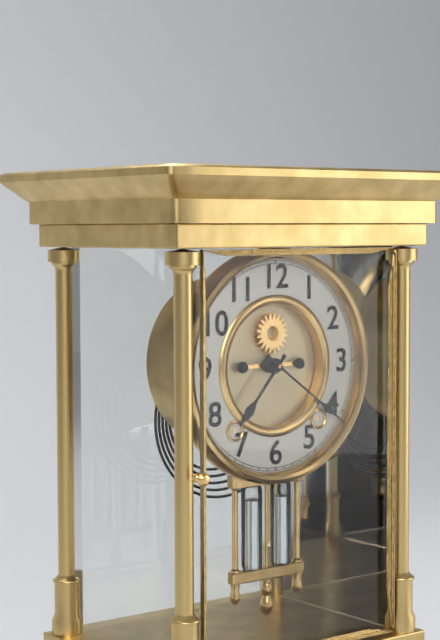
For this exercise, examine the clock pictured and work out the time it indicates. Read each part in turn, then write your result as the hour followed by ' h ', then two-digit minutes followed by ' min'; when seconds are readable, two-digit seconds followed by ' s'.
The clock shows 7 h 21 min
